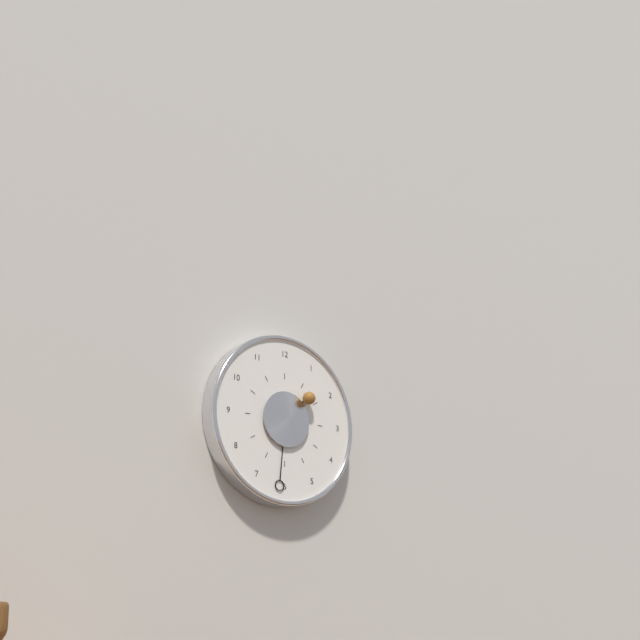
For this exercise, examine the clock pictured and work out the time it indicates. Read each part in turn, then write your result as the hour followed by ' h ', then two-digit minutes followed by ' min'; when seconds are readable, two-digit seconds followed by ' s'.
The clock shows 1 h 31 min
